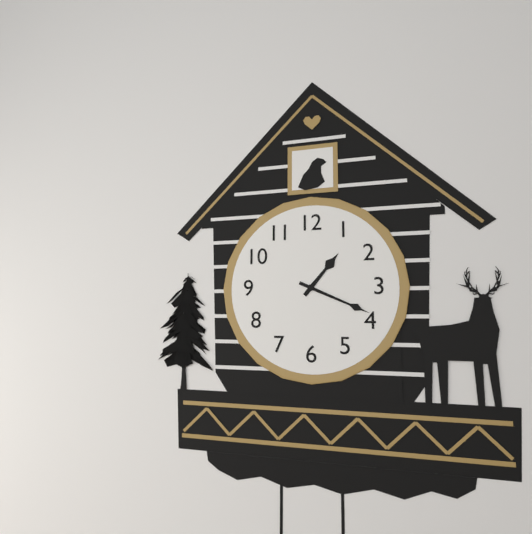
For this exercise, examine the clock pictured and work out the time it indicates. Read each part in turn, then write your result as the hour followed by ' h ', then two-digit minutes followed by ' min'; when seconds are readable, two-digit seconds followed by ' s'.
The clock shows 1 h 19 min
